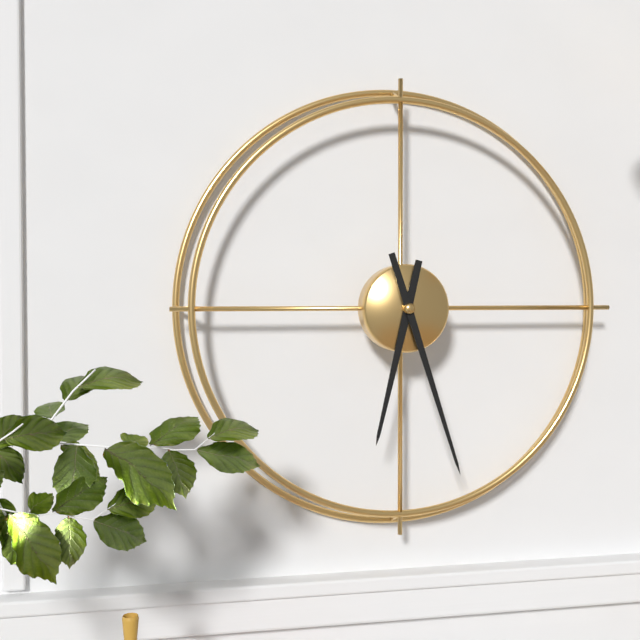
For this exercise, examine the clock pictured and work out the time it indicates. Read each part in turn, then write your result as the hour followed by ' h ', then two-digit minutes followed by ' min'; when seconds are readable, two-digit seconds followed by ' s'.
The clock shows 6 h 27 min
